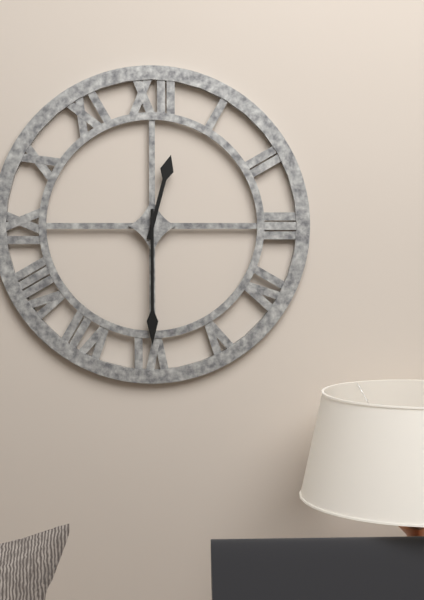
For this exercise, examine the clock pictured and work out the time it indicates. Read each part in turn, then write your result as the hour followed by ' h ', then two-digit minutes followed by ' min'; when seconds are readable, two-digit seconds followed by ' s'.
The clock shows 12 h 30 min
